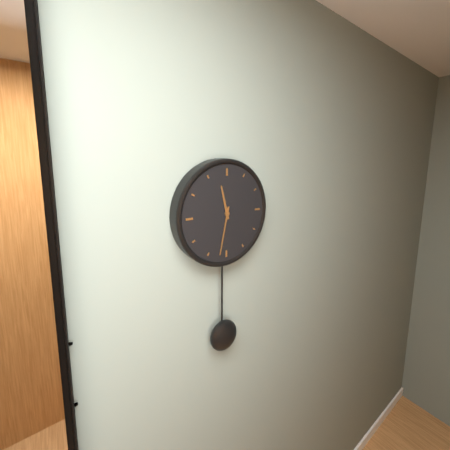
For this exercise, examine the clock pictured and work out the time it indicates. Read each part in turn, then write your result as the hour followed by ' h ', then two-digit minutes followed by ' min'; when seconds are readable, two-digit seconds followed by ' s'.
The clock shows 11 h 32 min
